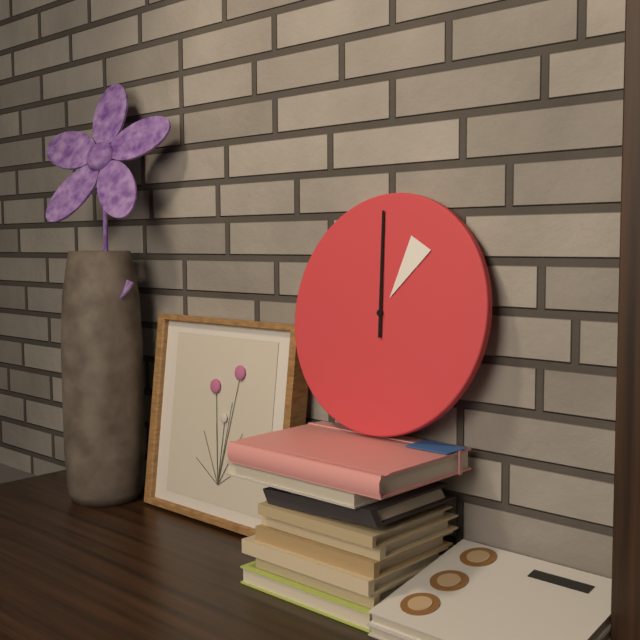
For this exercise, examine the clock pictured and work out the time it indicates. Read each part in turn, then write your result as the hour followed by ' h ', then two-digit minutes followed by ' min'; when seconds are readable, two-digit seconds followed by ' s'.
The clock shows 12 h 59 min
